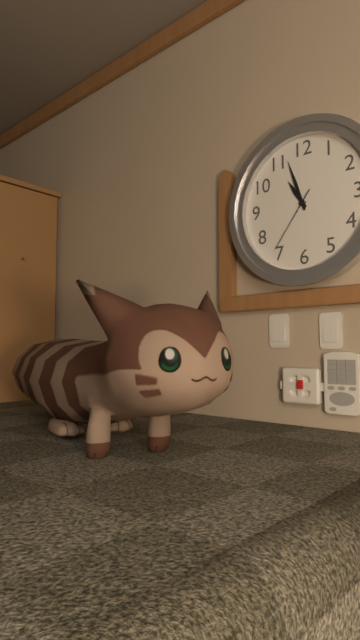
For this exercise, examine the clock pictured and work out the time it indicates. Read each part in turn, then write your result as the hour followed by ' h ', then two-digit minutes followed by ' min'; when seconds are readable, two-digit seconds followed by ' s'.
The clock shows 10 h 57 min 36 s
